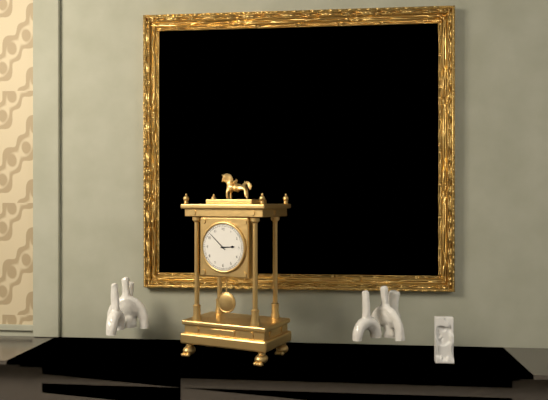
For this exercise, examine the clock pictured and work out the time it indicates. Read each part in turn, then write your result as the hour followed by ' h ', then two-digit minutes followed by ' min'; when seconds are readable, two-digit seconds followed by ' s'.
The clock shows 2 h 52 min
